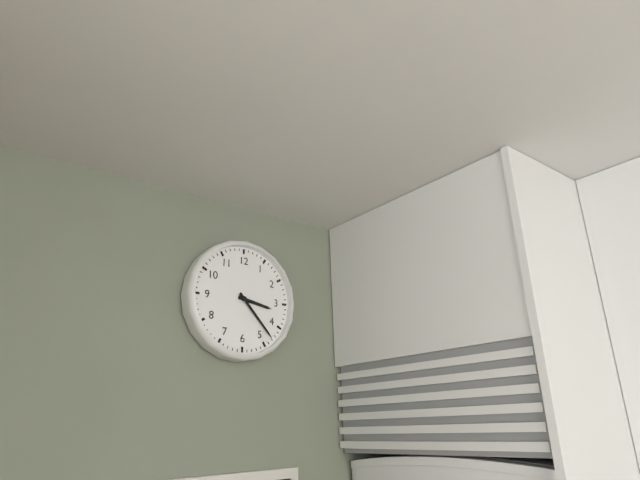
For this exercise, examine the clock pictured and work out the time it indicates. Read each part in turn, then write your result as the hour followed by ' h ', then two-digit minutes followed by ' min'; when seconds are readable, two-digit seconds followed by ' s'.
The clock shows 3 h 23 min
